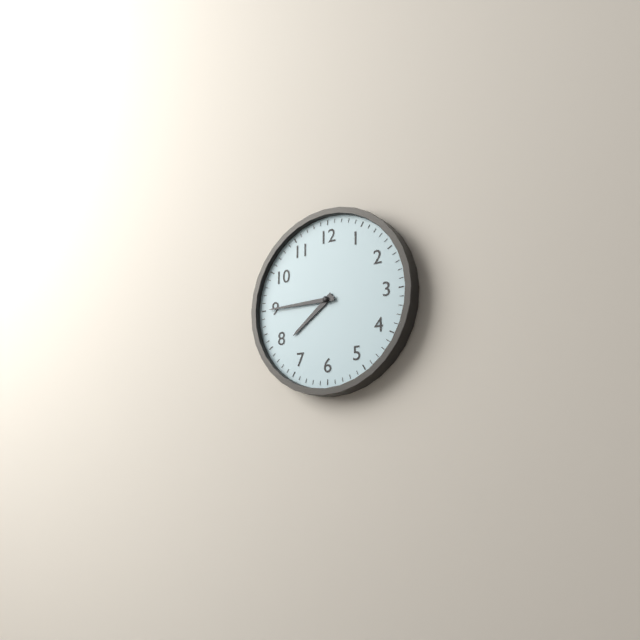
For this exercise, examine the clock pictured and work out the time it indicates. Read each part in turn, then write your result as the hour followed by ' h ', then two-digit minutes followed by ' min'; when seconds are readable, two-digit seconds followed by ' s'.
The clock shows 7 h 45 min
